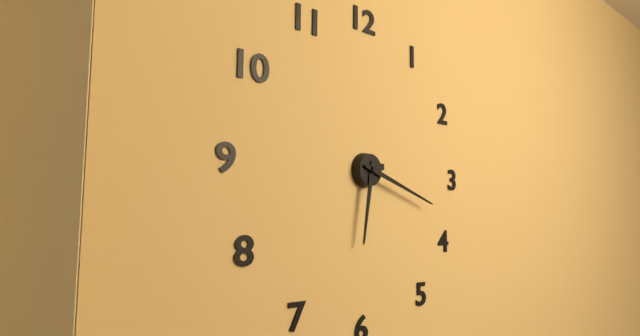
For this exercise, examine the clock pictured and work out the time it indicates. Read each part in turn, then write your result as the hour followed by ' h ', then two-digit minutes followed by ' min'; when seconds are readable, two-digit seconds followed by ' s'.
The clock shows 6 h 18 min
